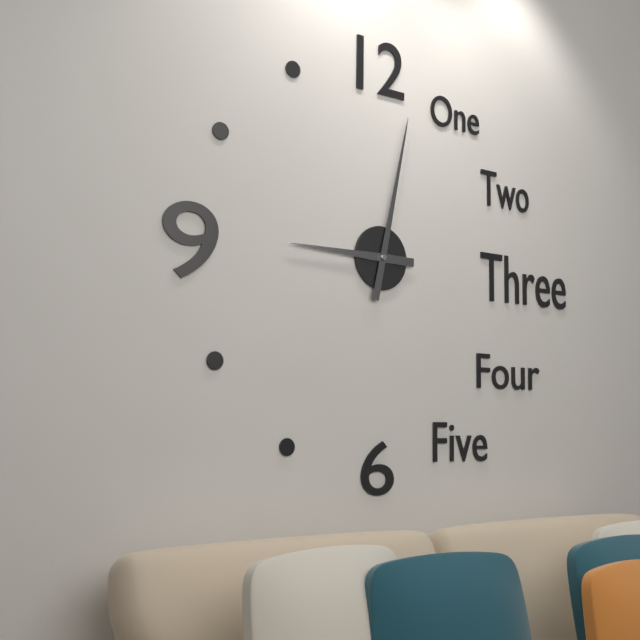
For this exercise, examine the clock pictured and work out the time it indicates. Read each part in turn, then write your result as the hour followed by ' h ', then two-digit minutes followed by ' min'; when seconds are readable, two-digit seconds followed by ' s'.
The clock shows 9 h 02 min
